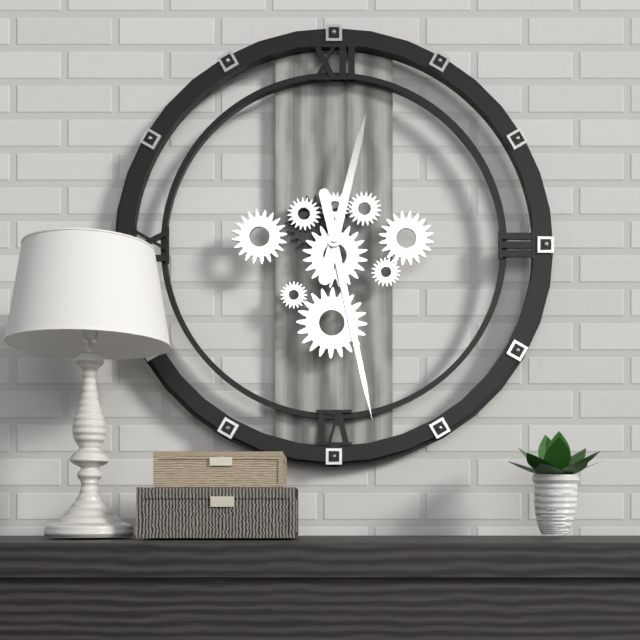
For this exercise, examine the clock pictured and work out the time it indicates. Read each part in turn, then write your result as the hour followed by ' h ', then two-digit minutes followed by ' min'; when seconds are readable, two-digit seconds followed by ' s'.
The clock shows 12 h 28 min
